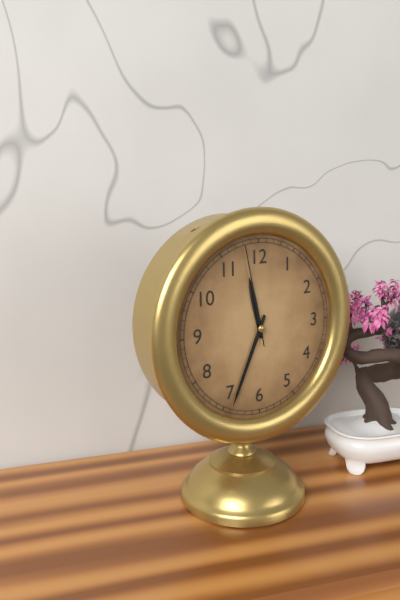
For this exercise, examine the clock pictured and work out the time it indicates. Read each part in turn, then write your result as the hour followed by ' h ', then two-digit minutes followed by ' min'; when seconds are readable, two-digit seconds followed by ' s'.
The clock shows 11 h 34 min 58 s
